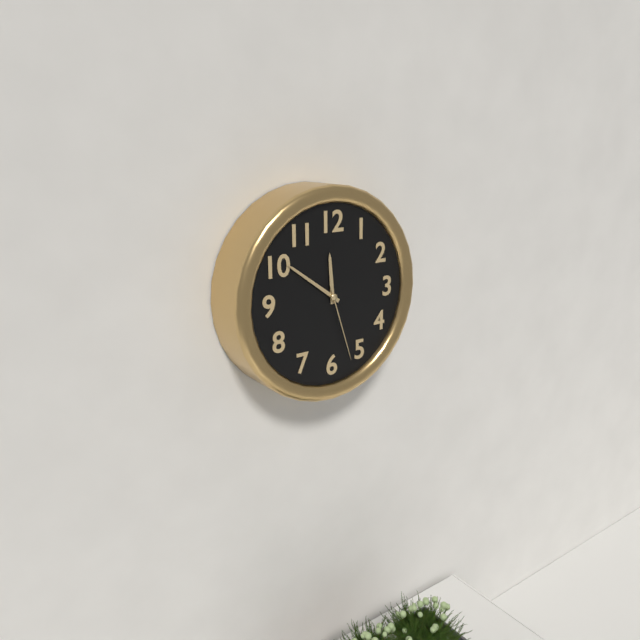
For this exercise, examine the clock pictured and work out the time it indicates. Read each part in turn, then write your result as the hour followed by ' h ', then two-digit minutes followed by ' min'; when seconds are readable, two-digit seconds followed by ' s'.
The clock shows 11 h 51 min 27 s
